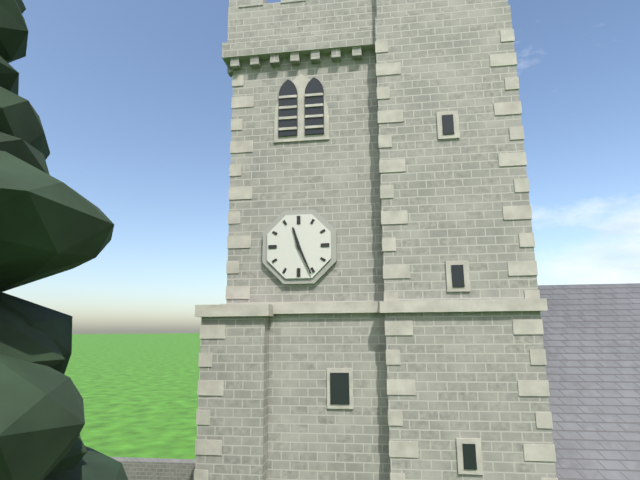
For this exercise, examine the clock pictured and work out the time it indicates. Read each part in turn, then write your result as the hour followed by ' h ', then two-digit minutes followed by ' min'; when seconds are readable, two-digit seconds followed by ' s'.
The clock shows 11 h 26 min
